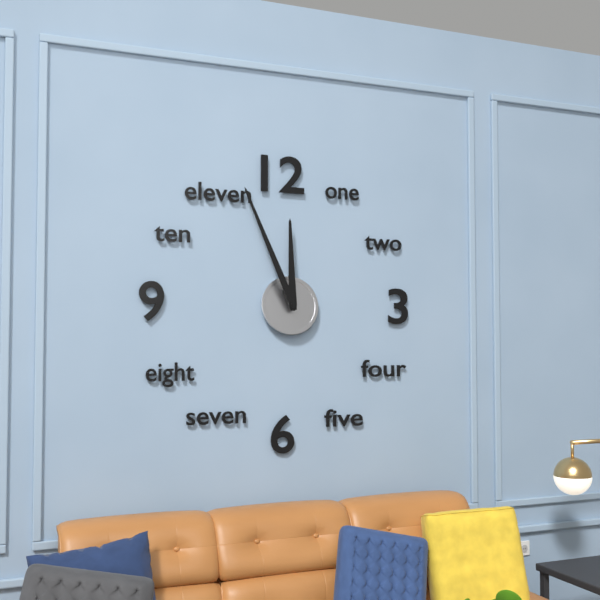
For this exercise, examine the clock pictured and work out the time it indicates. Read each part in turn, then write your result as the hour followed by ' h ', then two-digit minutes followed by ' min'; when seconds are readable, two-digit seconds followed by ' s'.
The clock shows 11 h 56 min
